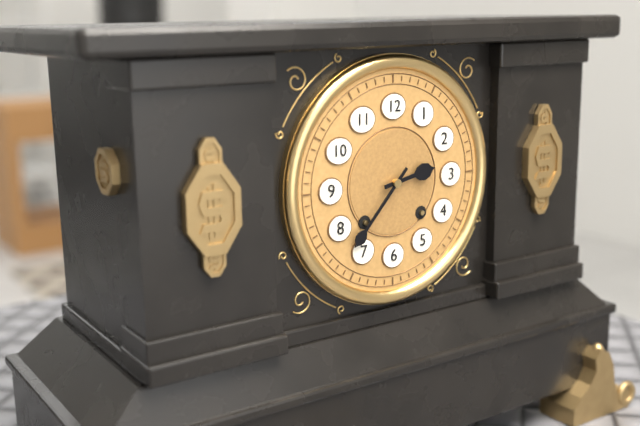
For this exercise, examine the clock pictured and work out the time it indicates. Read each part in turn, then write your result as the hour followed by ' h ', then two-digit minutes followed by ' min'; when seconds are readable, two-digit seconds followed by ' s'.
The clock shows 2 h 37 min
